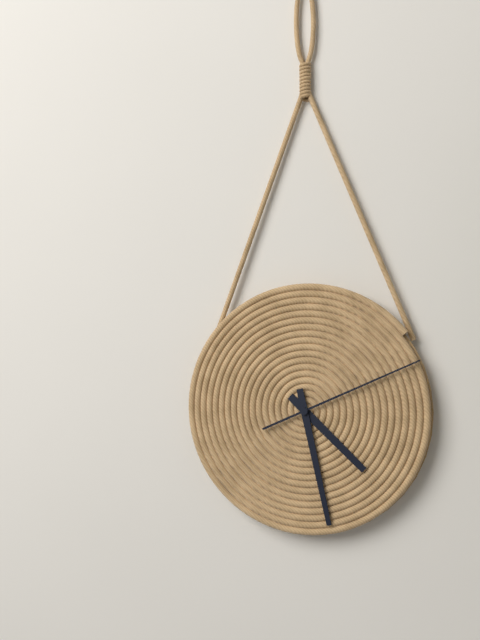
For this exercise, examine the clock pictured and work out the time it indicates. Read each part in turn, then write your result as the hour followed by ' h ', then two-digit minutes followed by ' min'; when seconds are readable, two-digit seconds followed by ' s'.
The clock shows 4 h 28 min 11 s
